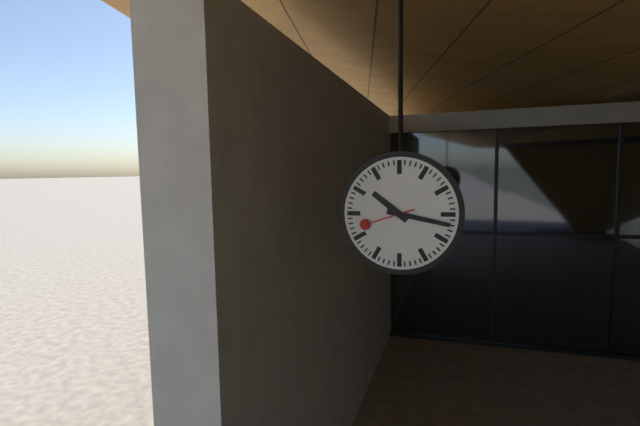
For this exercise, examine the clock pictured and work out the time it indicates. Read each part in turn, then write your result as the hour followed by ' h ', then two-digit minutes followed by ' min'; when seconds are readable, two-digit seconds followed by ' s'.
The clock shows 10 h 17 min 42 s
